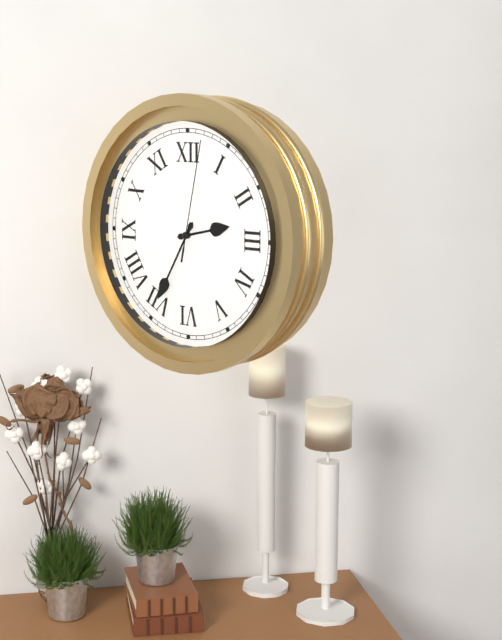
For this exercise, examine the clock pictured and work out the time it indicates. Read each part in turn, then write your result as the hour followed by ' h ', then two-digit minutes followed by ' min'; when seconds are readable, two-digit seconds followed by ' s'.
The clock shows 2 h 35 min 02 s
